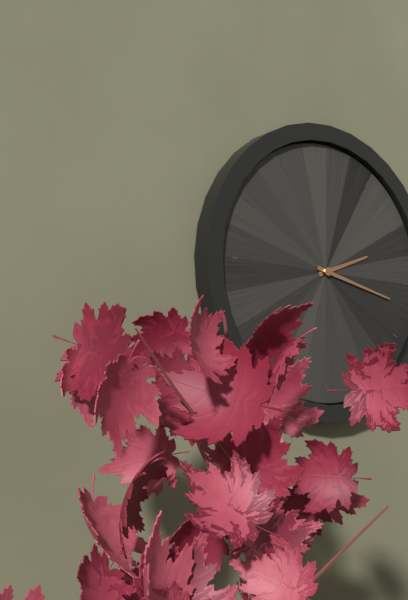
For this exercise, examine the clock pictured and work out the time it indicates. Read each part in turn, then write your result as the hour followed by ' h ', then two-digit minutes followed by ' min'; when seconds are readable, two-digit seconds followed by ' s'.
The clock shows 2 h 17 min
